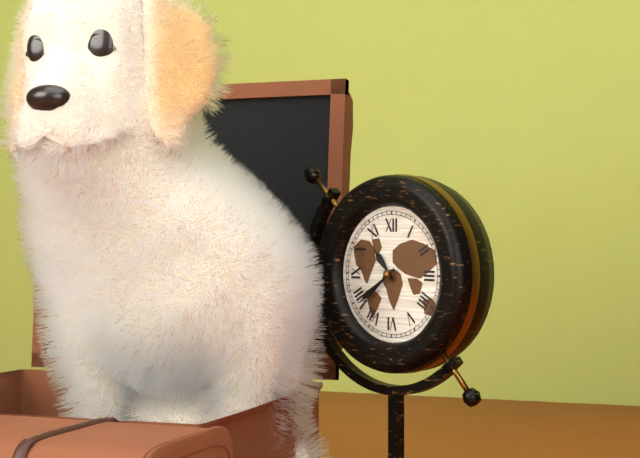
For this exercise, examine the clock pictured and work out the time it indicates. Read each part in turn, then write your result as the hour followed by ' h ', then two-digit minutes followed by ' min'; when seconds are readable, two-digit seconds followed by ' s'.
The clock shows 10 h 39 min
